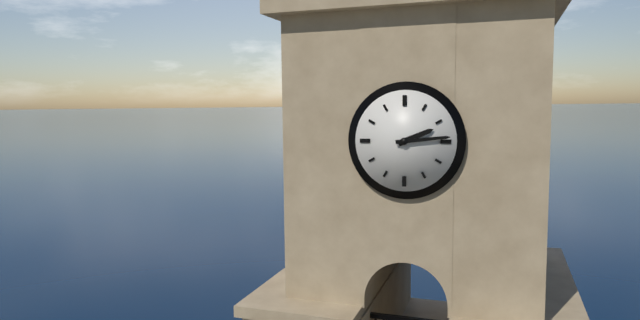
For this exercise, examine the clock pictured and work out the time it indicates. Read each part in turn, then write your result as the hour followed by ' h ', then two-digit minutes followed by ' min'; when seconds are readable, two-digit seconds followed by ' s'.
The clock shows 2 h 14 min
